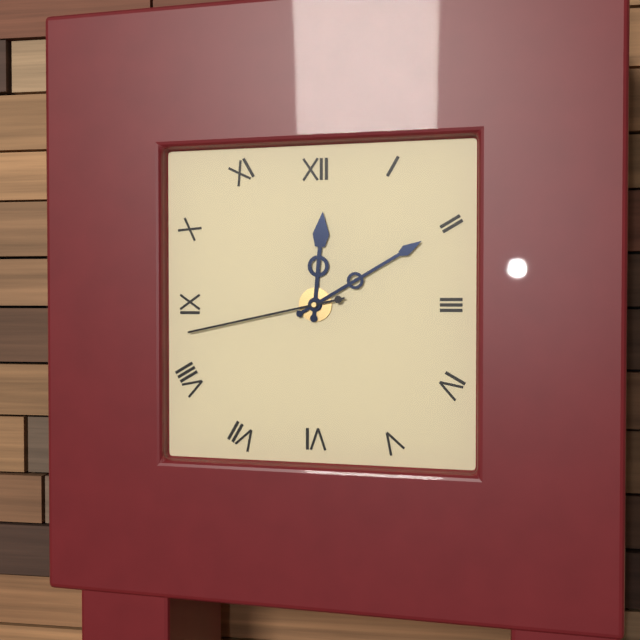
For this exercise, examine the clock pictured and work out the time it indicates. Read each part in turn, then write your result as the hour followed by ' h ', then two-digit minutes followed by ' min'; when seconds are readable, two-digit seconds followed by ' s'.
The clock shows 12 h 10 min 43 s
